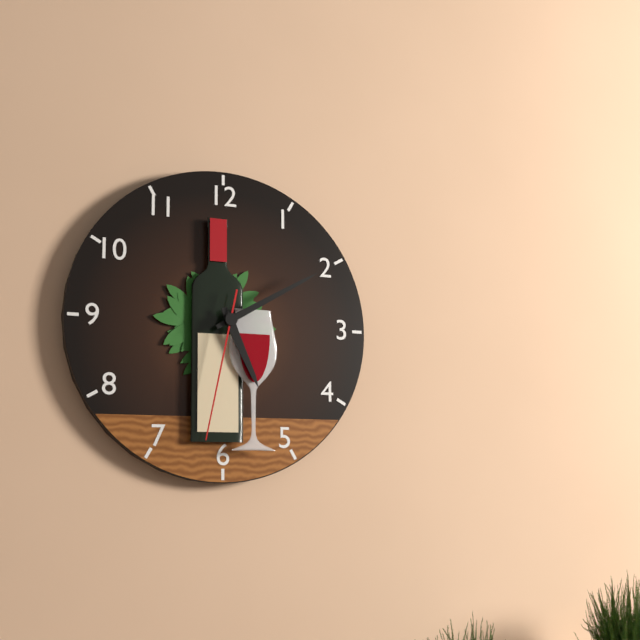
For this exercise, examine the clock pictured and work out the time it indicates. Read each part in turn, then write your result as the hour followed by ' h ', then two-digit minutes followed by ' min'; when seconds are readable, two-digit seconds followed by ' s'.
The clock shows 5 h 10 min 32 s
